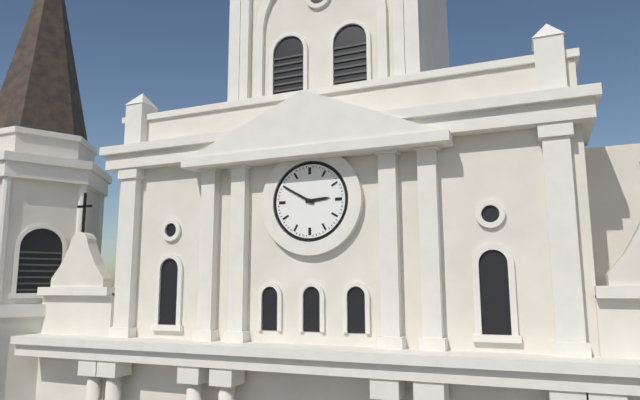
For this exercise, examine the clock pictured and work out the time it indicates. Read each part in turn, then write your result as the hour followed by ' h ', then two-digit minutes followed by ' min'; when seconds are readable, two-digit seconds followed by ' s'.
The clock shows 2 h 50 min
